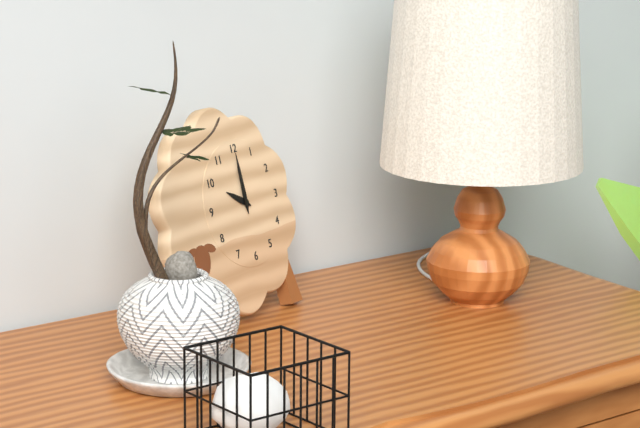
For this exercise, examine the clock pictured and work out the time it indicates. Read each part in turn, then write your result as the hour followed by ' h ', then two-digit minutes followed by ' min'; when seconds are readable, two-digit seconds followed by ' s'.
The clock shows 10 h 00 min
